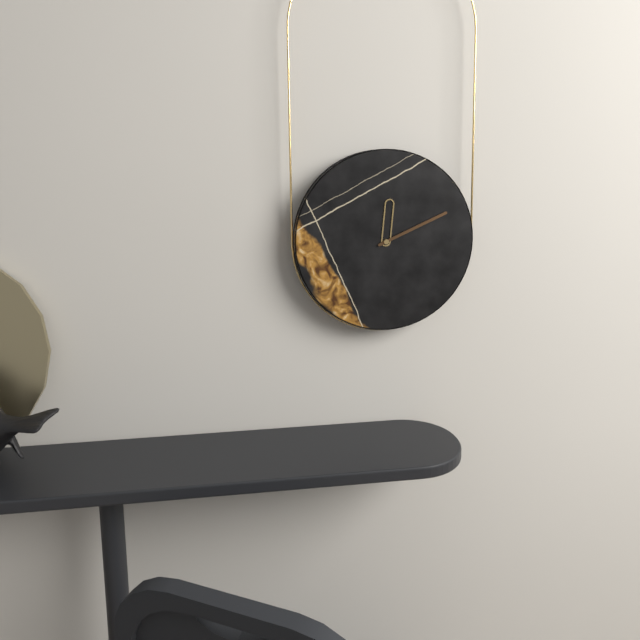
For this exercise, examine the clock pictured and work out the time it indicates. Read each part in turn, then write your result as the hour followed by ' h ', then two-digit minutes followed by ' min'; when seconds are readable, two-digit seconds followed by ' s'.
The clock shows 12 h 11 min
